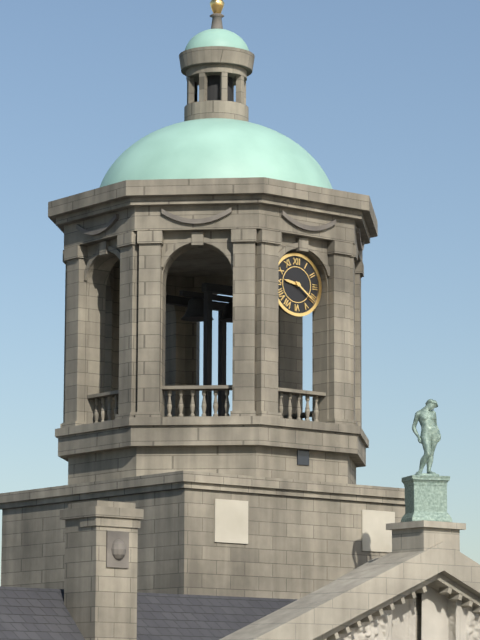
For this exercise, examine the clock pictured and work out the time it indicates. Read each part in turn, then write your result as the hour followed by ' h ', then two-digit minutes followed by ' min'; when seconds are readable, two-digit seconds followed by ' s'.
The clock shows 9 h 21 min
